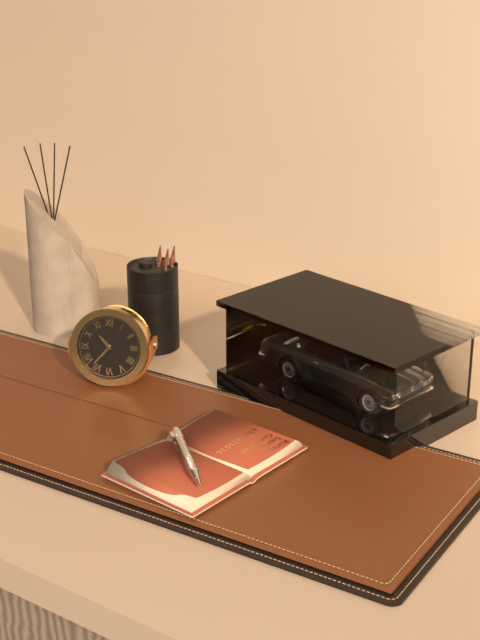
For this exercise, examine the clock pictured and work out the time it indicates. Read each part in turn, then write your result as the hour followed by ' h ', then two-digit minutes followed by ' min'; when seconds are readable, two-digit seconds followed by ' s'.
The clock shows 10 h 37 min
